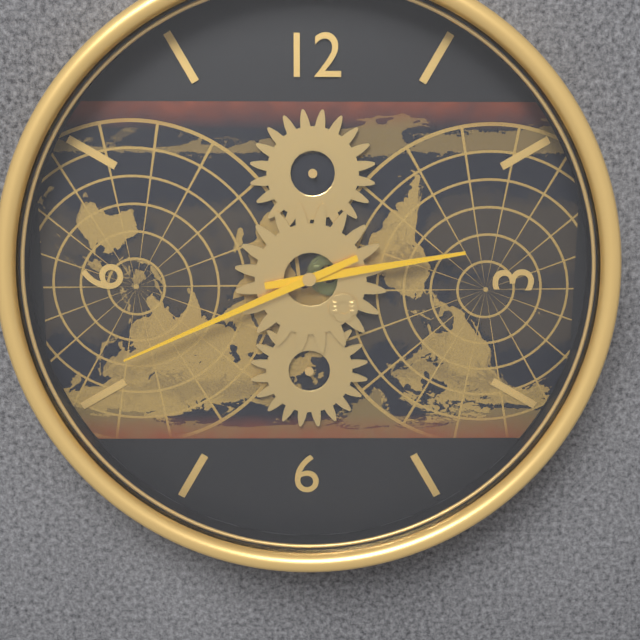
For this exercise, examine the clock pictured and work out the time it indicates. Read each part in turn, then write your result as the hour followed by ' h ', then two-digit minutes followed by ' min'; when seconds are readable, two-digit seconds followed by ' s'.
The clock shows 2 h 41 min
